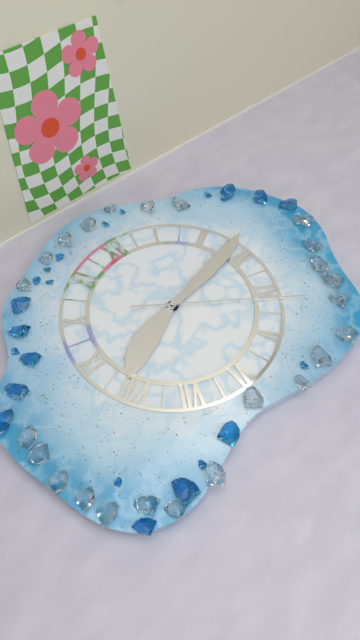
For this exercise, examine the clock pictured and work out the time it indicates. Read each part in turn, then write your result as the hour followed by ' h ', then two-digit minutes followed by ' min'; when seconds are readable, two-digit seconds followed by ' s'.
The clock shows 8 h 13 min 21 s
